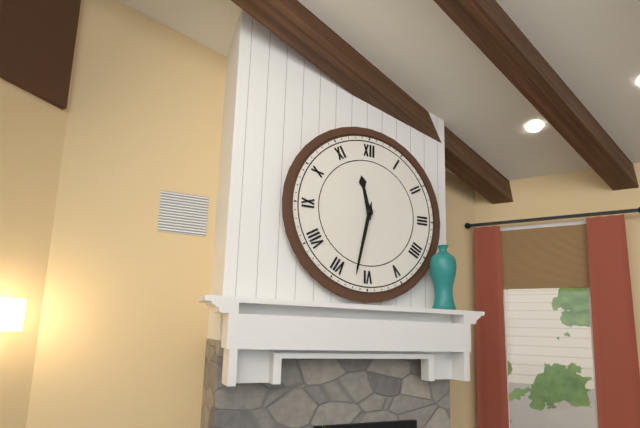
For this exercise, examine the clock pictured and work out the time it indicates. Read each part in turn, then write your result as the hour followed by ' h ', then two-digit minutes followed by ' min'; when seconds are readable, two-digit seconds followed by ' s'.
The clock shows 11 h 32 min
